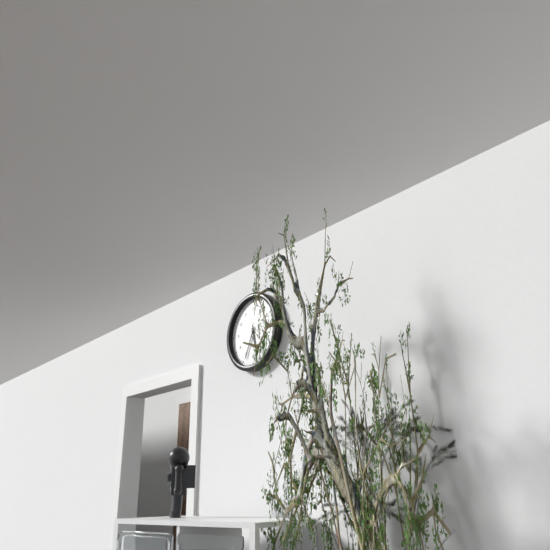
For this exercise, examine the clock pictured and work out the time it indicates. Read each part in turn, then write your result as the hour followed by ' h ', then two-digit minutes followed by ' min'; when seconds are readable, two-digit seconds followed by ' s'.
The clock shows 5 h 34 min
